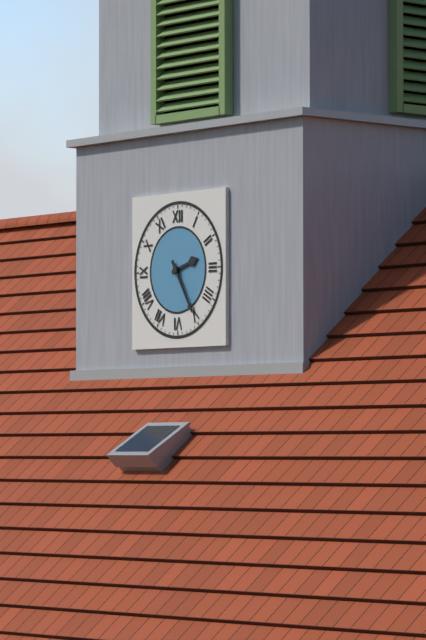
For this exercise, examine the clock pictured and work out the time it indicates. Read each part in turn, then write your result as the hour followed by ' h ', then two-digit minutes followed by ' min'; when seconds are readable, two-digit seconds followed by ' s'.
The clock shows 2 h 25 min
